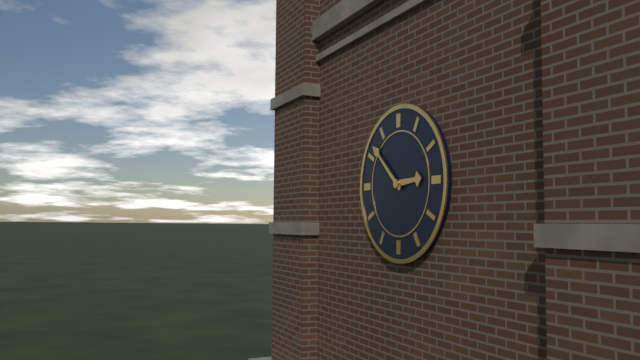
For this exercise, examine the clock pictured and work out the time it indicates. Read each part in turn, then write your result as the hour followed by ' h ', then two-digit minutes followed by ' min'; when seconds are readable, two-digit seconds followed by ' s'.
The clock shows 2 h 52 min
